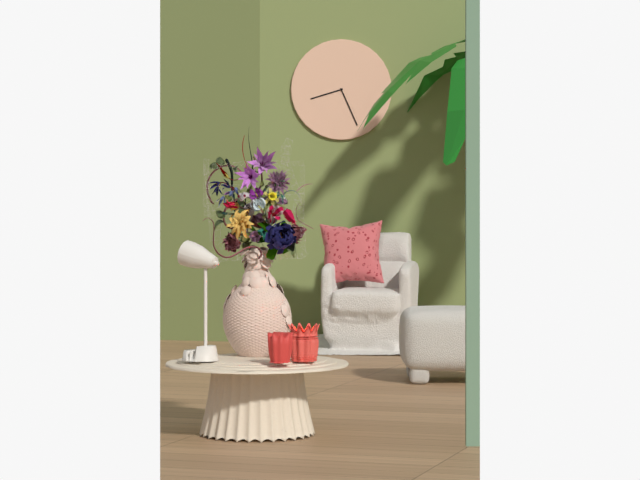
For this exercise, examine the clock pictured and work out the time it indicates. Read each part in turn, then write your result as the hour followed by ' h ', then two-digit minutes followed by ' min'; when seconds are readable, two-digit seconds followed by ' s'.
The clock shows 8 h 26 min
